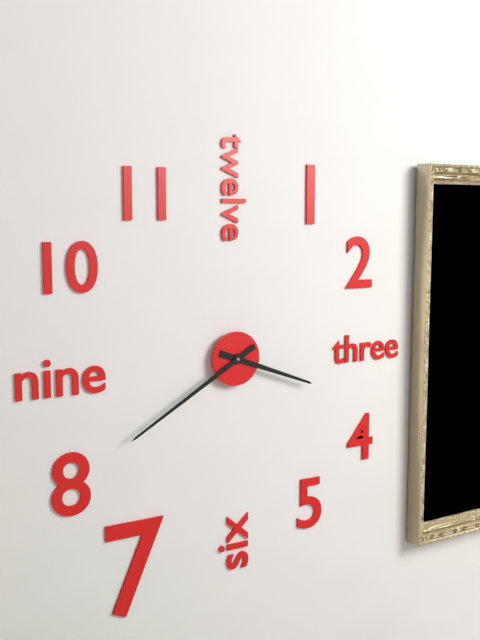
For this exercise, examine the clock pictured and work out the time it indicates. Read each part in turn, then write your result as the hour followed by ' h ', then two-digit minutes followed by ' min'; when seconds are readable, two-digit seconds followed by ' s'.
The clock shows 3 h 40 min
